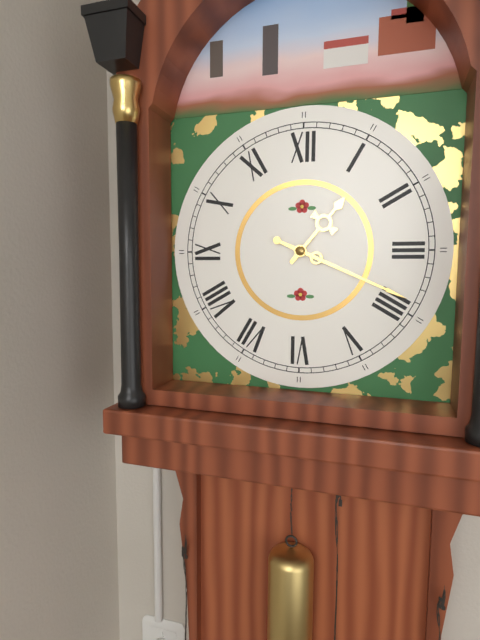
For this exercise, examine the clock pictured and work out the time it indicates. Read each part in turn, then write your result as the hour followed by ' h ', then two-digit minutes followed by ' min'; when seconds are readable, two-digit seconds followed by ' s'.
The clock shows 1 h 19 min
